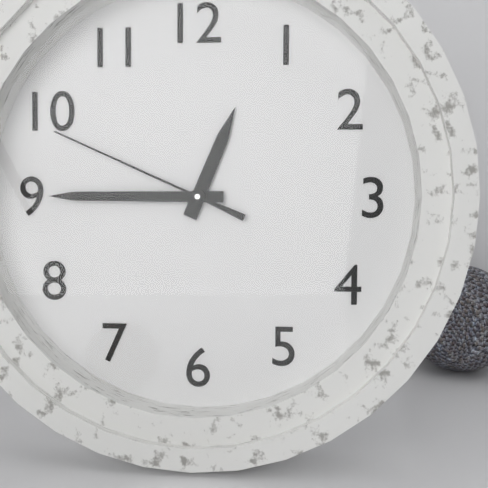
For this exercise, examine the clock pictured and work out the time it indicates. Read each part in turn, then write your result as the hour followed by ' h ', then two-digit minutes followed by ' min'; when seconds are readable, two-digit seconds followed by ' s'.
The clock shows 12 h 45 min 49 s
